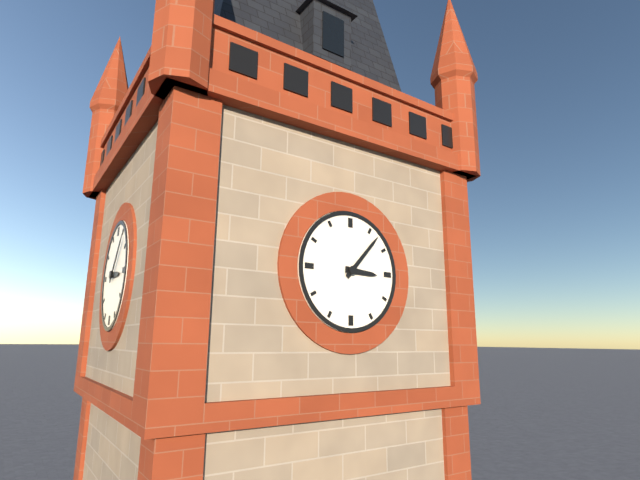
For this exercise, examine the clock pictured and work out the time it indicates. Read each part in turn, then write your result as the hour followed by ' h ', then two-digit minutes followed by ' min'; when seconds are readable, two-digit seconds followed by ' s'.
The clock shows 3 h 07 min
